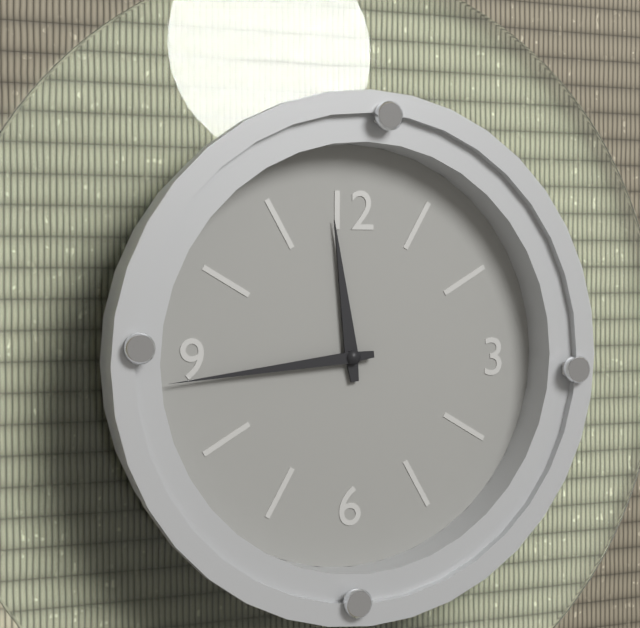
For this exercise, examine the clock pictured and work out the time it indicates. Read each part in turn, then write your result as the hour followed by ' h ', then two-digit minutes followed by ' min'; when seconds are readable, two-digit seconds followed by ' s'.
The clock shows 11 h 44 min
